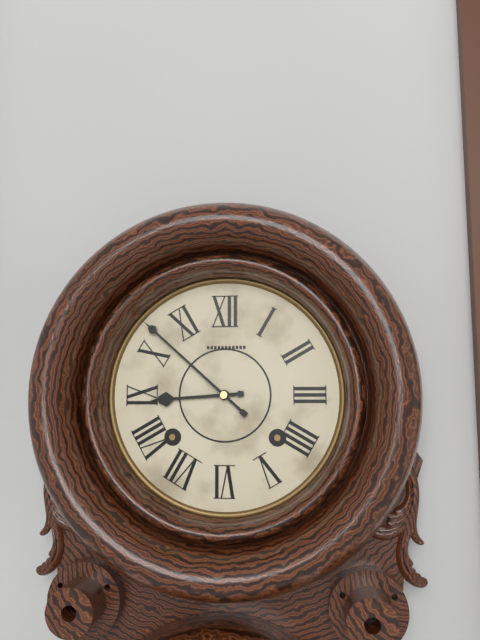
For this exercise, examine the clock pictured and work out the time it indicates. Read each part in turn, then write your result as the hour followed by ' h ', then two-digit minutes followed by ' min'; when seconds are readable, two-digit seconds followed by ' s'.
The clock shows 8 h 52 min
